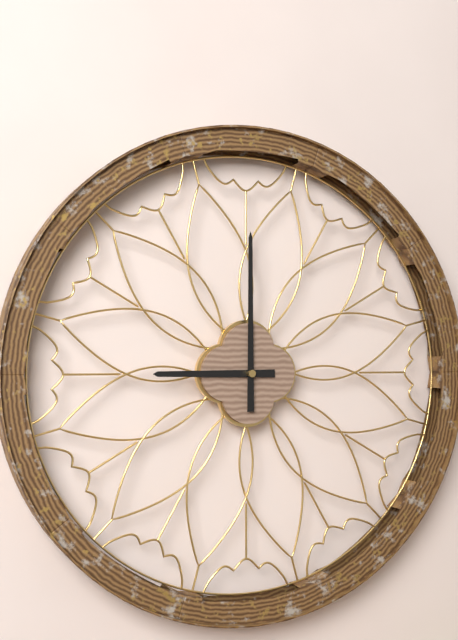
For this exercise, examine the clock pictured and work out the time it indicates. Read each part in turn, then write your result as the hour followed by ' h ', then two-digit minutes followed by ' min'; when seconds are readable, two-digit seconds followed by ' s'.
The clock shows 9 h 00 min
